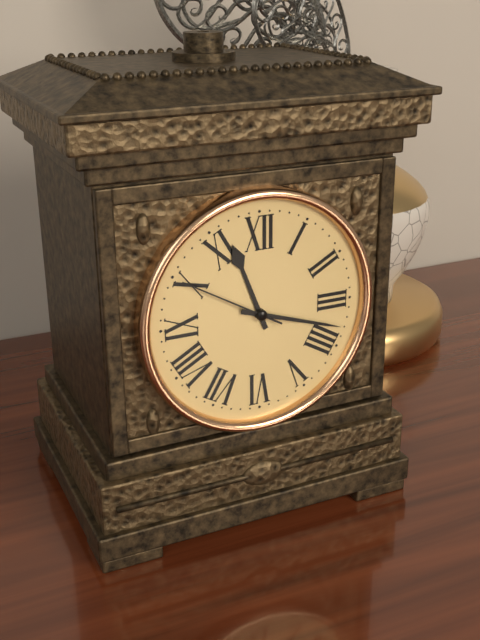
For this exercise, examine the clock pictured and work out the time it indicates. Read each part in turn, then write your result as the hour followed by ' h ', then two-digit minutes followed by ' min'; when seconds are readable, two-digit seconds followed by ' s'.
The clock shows 11 h 18 min 50 s
